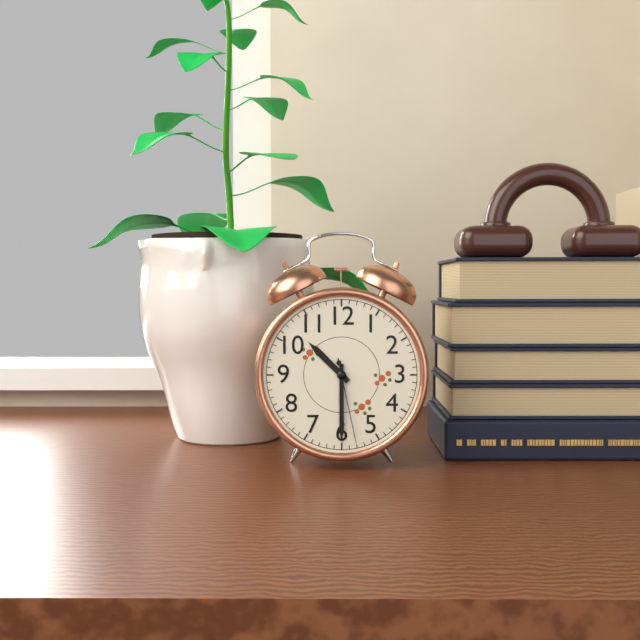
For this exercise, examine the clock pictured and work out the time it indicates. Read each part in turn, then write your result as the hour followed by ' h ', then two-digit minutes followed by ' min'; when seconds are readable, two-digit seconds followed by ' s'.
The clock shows 10 h 30 min 28 s
